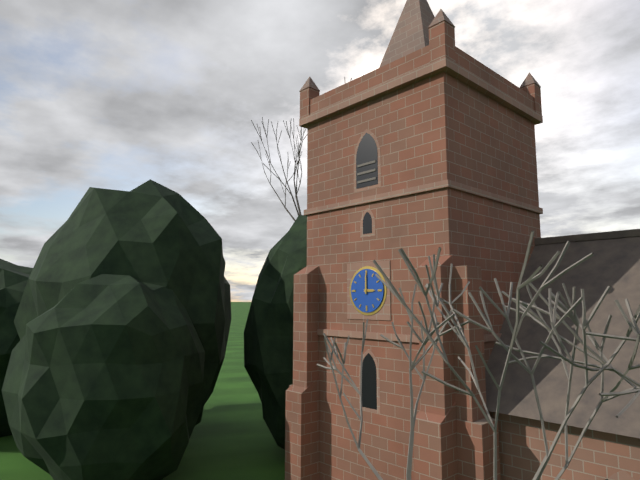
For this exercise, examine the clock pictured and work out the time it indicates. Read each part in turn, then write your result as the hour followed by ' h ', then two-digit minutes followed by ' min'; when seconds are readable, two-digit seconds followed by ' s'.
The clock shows 3 h 00 min
